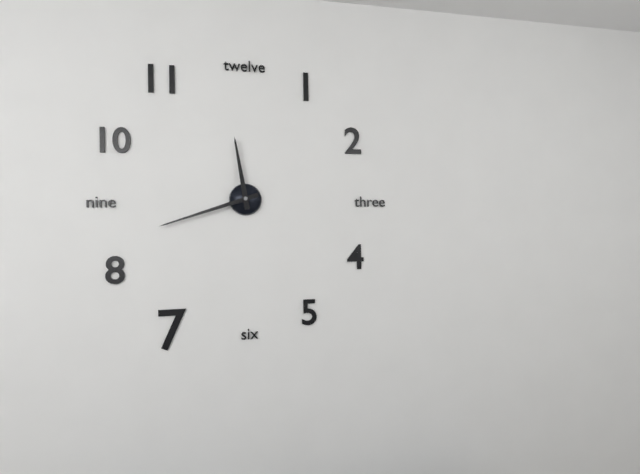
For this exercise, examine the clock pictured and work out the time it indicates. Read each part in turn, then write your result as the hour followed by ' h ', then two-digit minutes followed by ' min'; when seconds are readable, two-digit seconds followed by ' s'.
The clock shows 11 h 42 min
